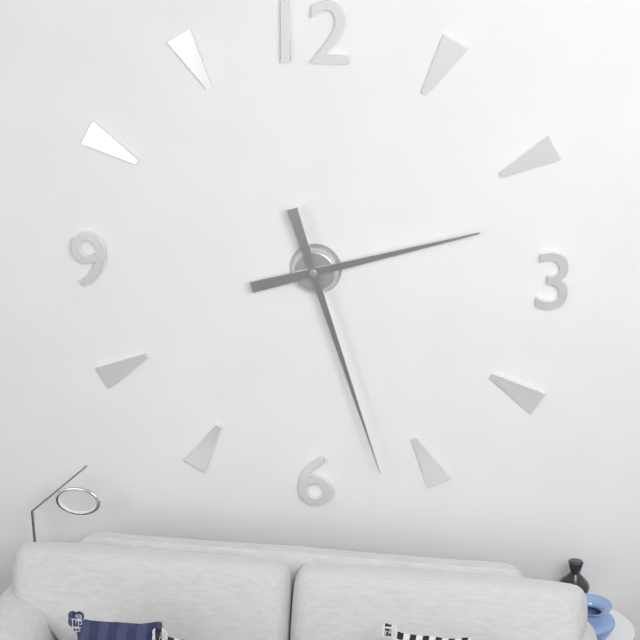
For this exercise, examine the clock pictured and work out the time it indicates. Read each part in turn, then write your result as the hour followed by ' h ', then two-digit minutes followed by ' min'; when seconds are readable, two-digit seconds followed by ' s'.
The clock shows 2 h 27 min
